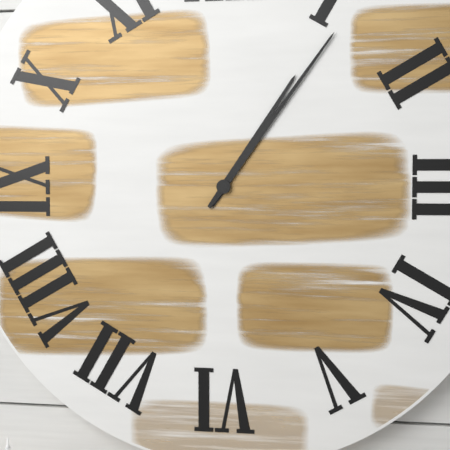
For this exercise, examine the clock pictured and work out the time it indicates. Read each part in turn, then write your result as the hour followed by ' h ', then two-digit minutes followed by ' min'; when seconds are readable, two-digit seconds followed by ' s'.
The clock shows 1 h 06 min
